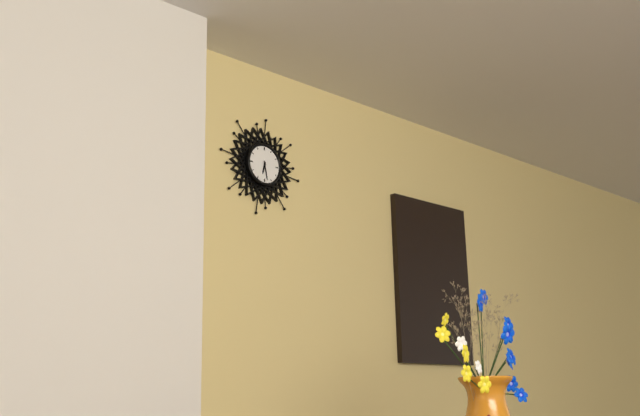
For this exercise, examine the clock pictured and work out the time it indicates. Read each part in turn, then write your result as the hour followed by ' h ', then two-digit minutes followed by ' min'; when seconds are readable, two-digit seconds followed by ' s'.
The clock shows 6 h 28 min
